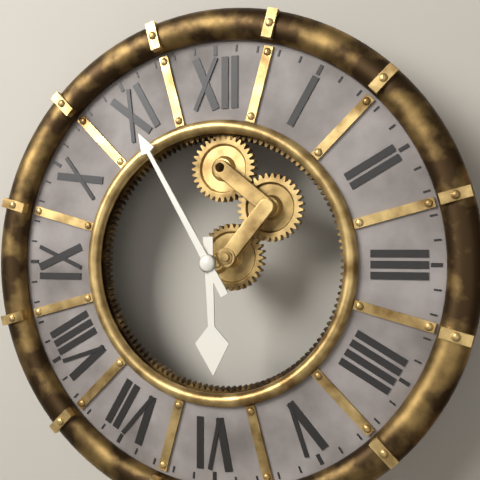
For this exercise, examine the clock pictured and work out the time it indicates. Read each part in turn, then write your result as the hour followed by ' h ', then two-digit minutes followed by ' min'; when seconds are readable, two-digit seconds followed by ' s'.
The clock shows 5 h 55 min
